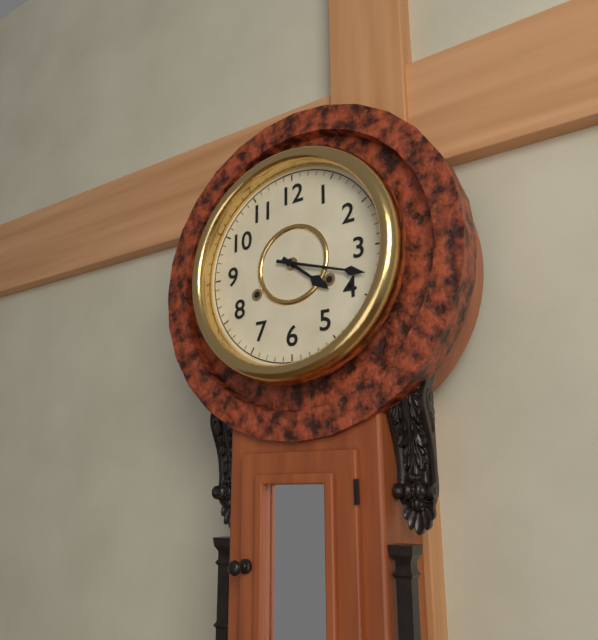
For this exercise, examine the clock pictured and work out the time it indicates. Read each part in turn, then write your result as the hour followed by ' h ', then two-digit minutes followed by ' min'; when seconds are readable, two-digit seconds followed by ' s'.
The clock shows 4 h 18 min
